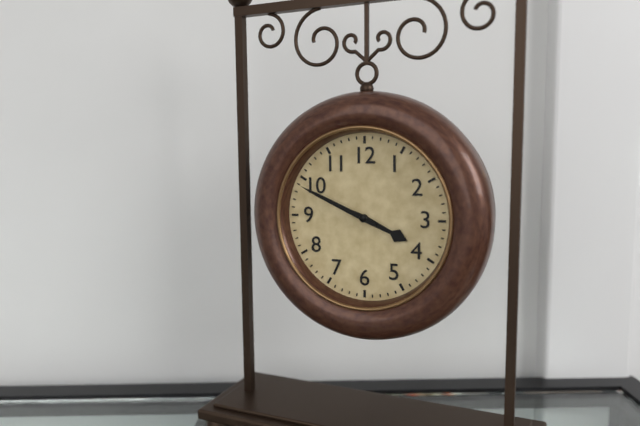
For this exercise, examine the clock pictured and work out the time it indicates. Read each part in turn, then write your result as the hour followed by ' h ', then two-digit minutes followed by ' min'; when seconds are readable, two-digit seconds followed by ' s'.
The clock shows 3 h 49 min
